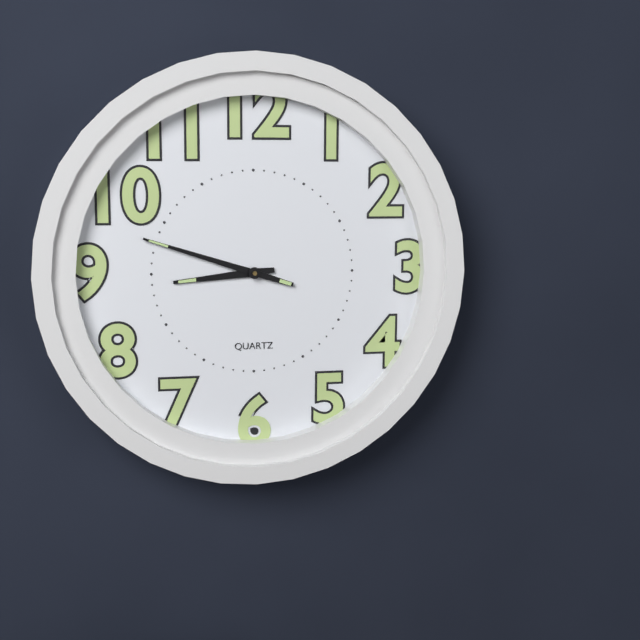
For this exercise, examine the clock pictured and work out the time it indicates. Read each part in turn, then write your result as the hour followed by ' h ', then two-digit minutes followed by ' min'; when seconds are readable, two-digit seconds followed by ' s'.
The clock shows 8 h 48 min
